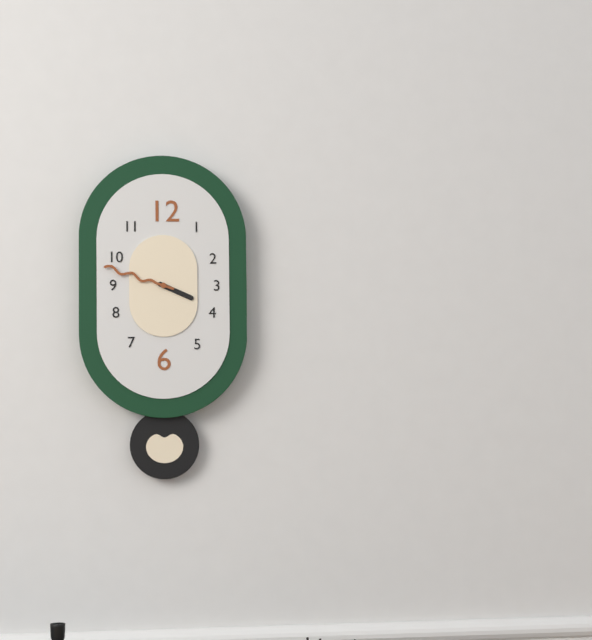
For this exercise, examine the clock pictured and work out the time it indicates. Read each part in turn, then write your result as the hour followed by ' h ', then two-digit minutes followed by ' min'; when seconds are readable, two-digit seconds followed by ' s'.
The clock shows 3 h 48 min
